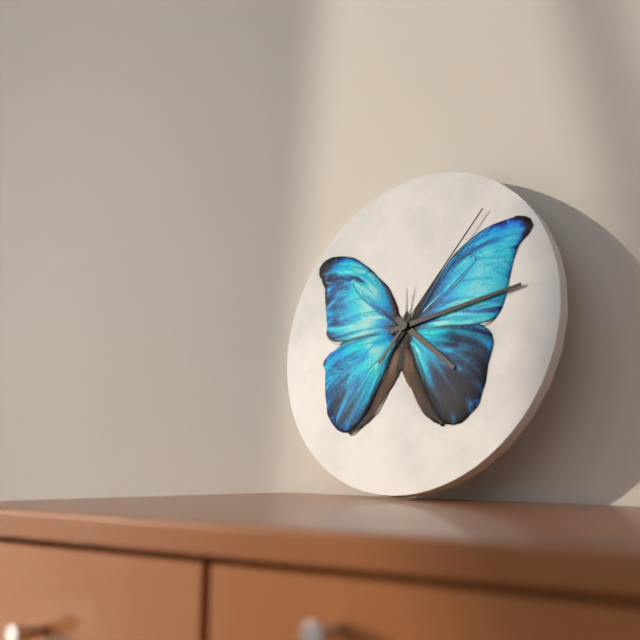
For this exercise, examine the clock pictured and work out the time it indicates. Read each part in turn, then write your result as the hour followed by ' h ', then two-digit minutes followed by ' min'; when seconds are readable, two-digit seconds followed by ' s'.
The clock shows 4 h 13 min 06 s
